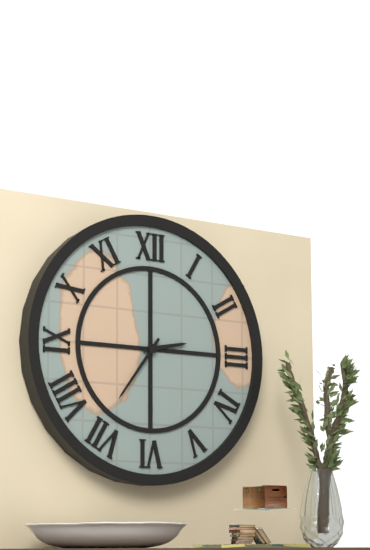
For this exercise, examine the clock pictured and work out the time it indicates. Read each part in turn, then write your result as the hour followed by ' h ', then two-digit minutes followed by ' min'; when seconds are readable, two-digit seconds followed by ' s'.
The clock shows 2 h 36 min
